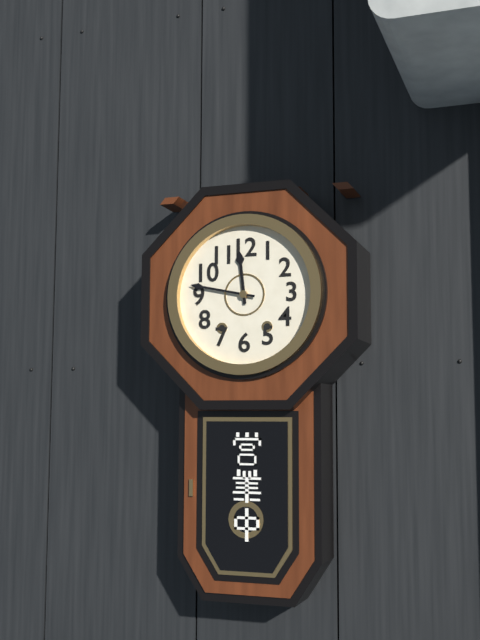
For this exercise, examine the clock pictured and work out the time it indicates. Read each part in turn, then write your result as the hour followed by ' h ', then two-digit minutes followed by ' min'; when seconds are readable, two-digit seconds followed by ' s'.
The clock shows 11 h 47 min
